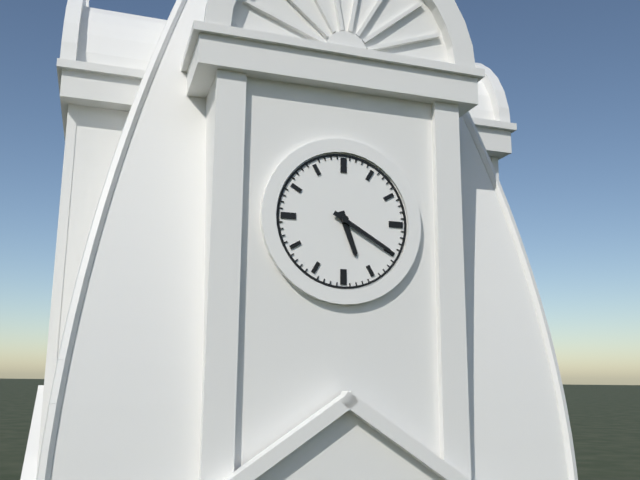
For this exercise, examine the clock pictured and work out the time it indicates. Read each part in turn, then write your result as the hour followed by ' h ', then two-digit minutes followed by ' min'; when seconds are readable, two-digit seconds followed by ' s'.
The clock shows 5 h 20 min
